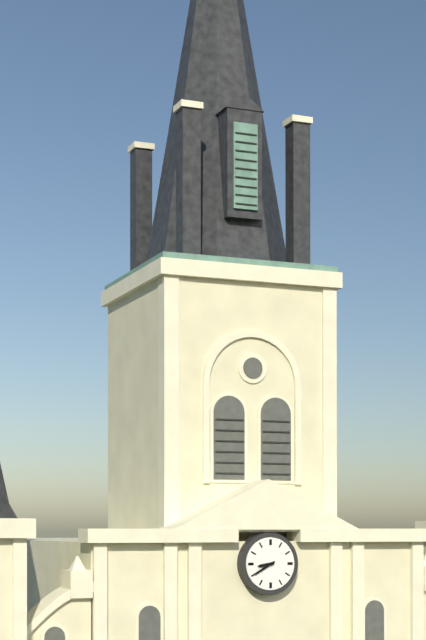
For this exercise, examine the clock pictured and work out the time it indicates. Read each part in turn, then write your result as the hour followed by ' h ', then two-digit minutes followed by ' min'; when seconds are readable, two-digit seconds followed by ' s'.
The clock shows 8 h 40 min
